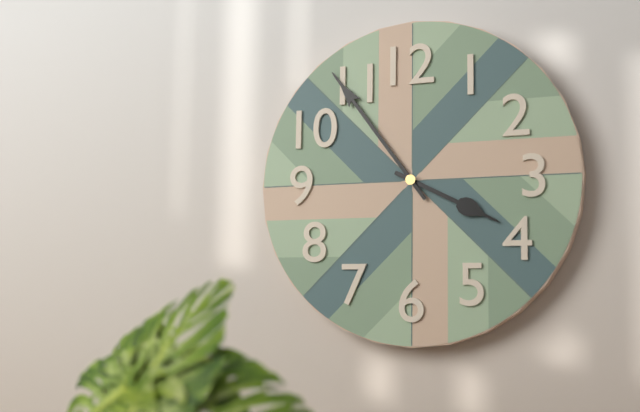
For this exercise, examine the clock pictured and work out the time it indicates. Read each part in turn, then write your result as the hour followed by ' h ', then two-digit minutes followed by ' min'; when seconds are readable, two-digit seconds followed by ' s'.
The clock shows 3 h 54 min
